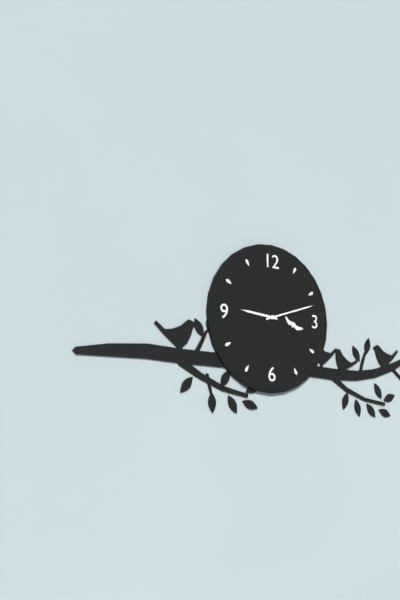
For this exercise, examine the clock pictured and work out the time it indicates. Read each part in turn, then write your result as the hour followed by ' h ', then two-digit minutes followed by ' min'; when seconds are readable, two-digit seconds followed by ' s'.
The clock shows 9 h 12 min
